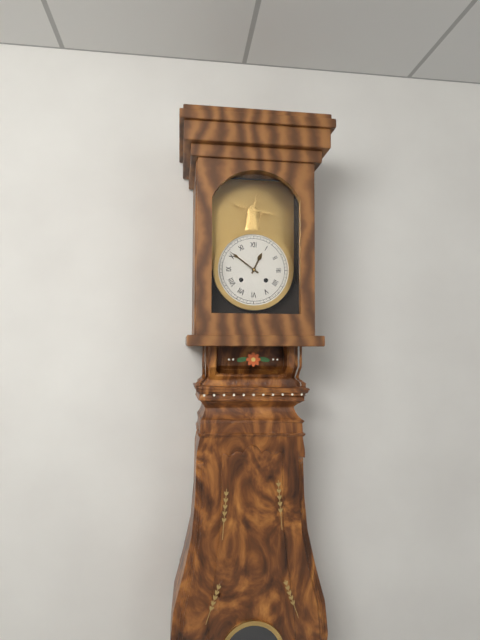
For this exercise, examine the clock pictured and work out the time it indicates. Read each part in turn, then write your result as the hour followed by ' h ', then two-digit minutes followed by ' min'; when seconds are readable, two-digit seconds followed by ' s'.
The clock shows 12 h 51 min
